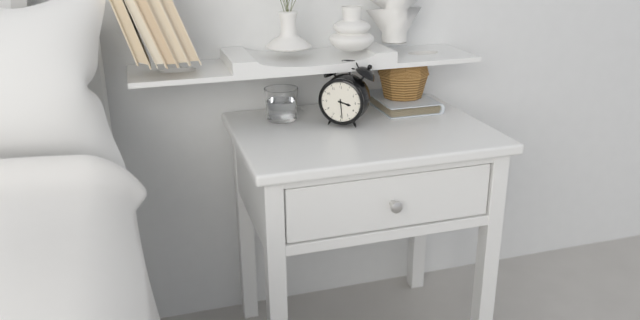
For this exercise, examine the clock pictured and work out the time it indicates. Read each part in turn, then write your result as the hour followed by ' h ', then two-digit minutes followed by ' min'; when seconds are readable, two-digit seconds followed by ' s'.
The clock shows 3 h 29 min
